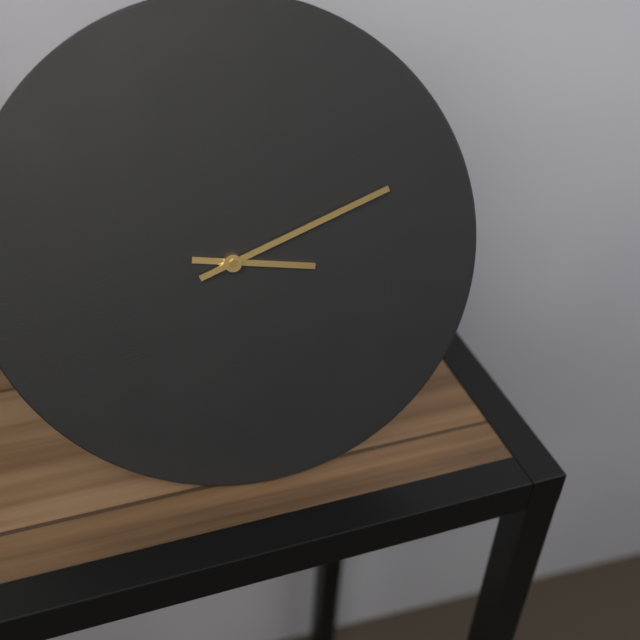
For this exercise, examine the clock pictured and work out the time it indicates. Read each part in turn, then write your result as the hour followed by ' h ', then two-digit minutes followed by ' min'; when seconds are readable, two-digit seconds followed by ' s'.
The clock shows 3 h 11 min
